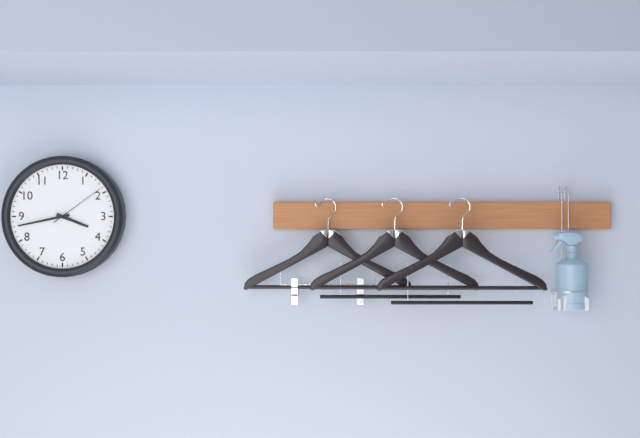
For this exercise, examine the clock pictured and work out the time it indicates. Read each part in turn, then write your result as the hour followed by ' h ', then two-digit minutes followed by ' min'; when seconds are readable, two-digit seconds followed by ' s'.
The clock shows 3 h 43 min 09 s
